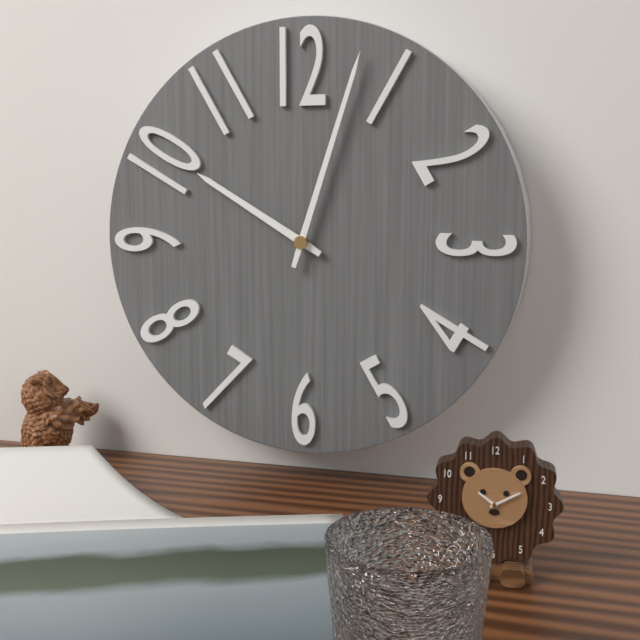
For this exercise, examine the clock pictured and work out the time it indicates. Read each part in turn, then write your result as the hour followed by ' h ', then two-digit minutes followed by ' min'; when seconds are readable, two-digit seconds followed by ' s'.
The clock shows 10 h 03 min
